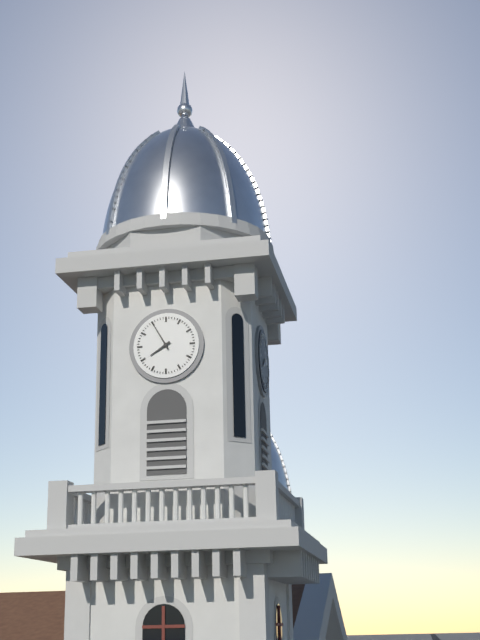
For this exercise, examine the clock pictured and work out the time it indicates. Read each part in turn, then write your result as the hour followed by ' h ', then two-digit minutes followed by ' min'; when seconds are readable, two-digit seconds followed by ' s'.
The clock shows 7 h 55 min
